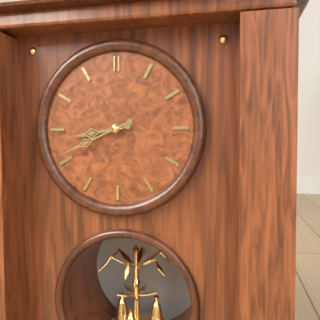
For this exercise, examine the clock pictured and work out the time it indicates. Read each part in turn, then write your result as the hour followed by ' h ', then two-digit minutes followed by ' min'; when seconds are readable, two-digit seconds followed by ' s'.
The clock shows 8 h 41 min
